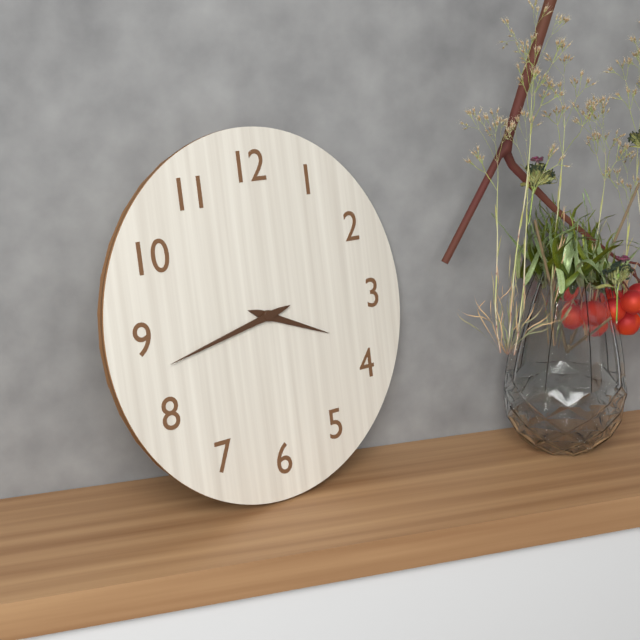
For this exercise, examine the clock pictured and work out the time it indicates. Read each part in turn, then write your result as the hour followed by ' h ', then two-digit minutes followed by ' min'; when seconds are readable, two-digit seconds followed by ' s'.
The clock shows 3 h 43 min
